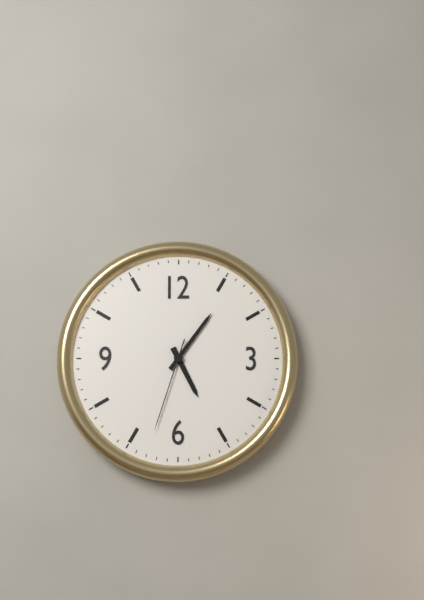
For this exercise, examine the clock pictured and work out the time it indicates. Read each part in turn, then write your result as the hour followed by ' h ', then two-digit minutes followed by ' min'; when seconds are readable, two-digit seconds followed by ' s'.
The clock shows 5 h 06 min 33 s
